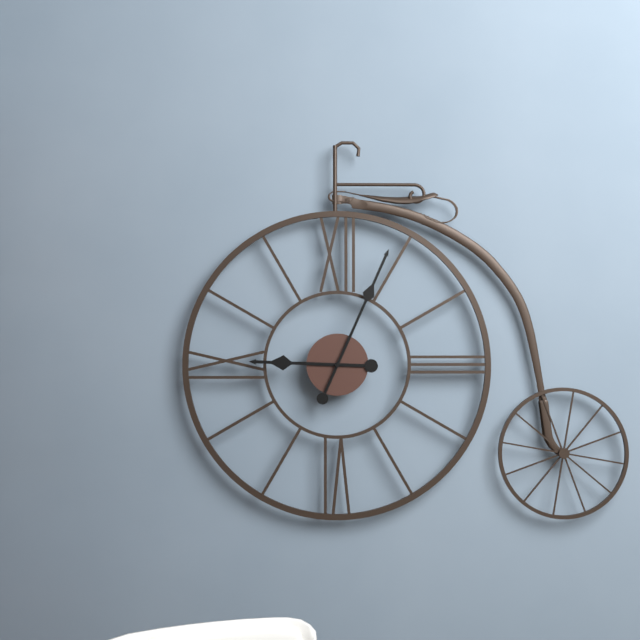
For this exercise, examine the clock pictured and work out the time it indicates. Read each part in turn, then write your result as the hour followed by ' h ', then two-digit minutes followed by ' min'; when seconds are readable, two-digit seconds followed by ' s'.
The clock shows 9 h 04 min
